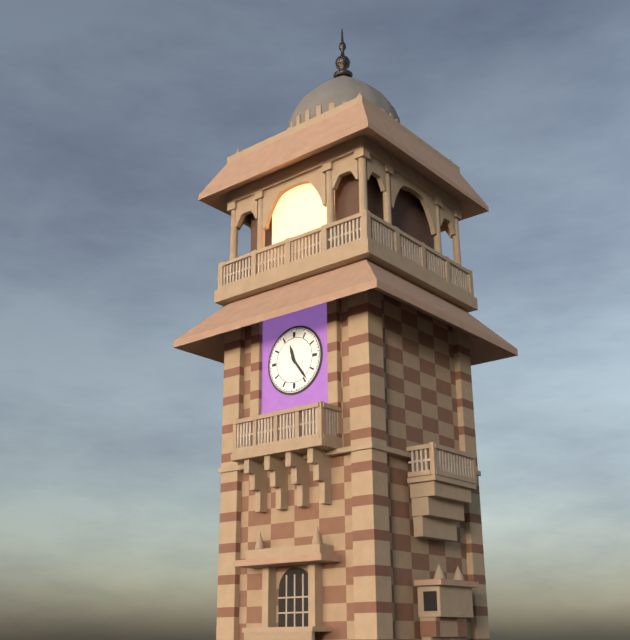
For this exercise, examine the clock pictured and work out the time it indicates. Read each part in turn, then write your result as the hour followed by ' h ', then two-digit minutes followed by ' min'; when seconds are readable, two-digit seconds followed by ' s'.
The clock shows 11 h 24 min
